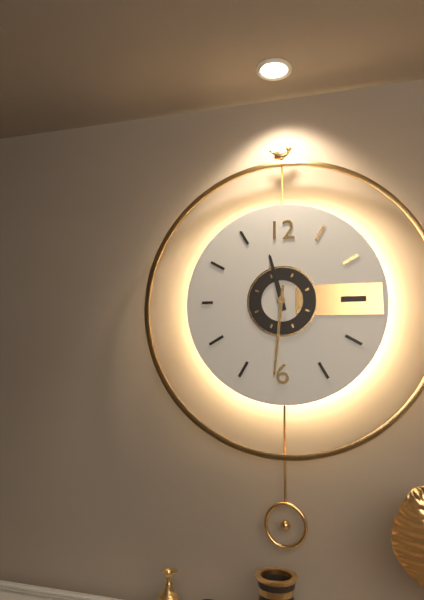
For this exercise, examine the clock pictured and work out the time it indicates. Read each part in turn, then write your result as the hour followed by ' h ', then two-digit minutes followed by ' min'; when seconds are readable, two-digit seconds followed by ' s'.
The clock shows 11 h 31 min
